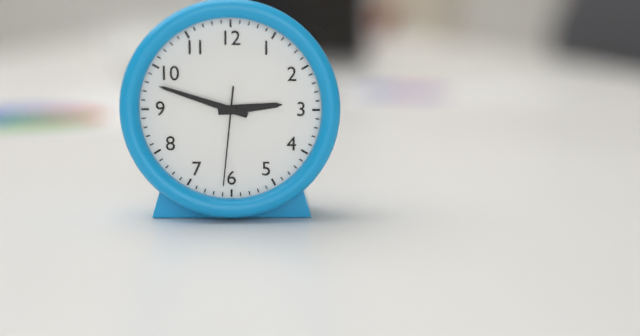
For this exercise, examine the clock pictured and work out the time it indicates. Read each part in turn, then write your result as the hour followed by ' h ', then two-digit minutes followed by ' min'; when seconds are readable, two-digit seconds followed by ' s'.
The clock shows 2 h 48 min 31 s
